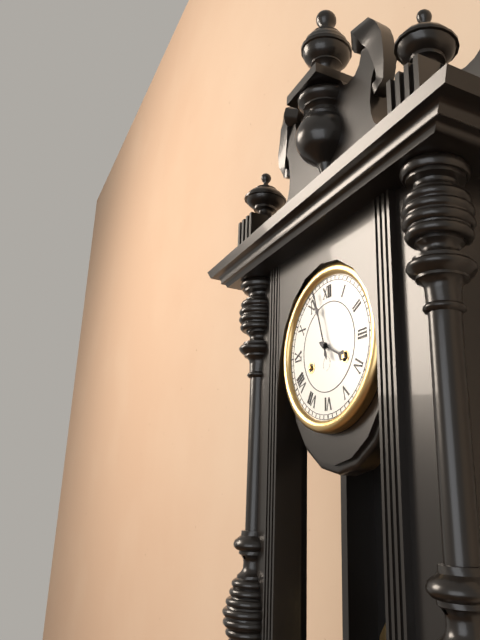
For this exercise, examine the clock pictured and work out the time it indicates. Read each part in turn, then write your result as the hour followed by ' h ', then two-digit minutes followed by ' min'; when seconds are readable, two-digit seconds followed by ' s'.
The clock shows 3 h 57 min
